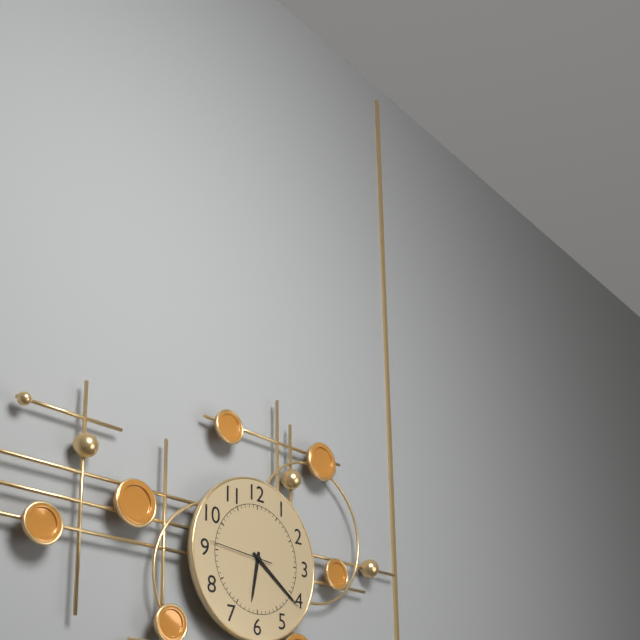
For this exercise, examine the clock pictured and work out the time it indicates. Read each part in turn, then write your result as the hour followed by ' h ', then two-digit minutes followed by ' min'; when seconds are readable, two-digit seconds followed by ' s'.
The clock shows 6 h 21 min 46 s
